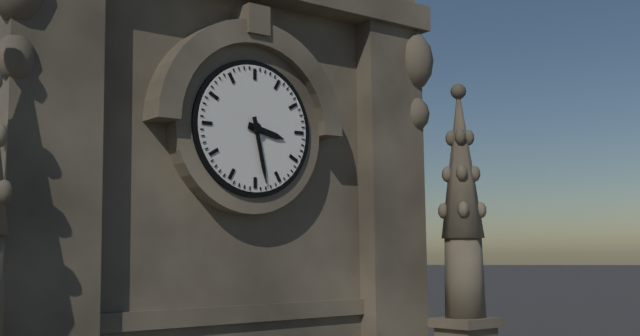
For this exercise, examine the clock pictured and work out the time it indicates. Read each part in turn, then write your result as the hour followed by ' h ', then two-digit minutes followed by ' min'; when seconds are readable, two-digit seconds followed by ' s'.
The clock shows 3 h 28 min
